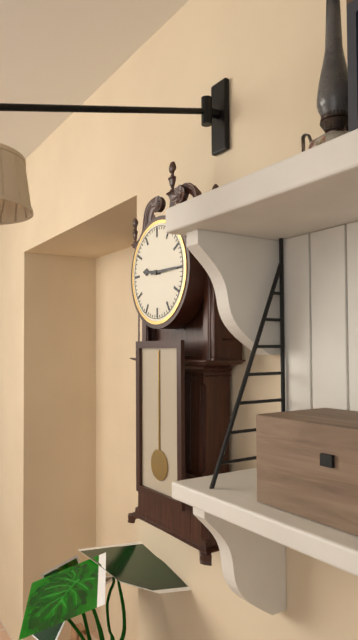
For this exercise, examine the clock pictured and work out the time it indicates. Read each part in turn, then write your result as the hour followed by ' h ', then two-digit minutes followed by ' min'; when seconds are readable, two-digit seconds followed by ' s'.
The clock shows 9 h 15 min
